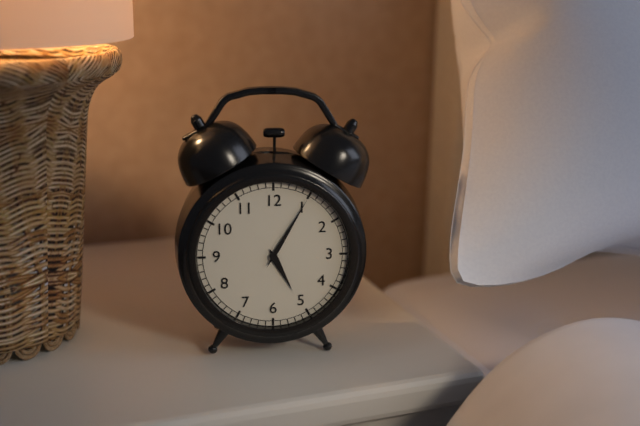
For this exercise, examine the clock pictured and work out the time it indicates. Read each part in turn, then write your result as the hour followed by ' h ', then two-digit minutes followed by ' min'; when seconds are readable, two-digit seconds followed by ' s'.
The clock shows 5 h 05 min
